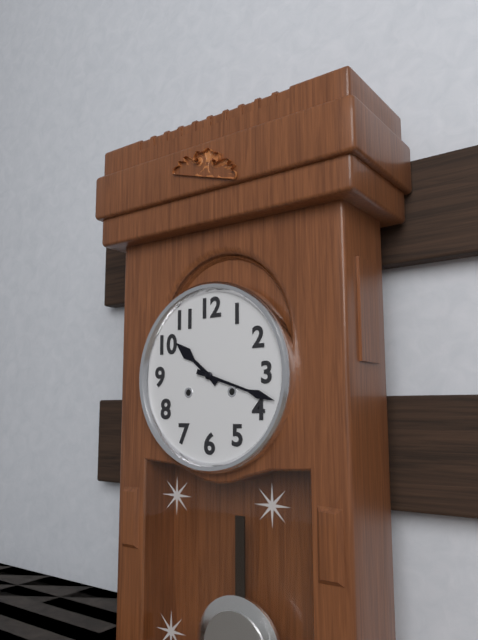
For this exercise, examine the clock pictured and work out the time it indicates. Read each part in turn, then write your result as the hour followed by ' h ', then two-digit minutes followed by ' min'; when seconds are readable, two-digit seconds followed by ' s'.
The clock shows 10 h 18 min
